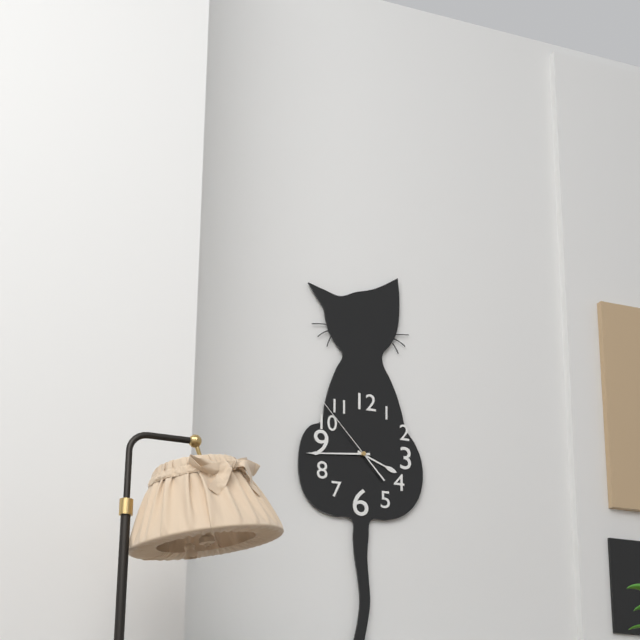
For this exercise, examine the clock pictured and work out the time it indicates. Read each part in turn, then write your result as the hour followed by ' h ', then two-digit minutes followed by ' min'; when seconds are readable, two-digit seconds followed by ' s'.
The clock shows 3 h 44 min 53 s
